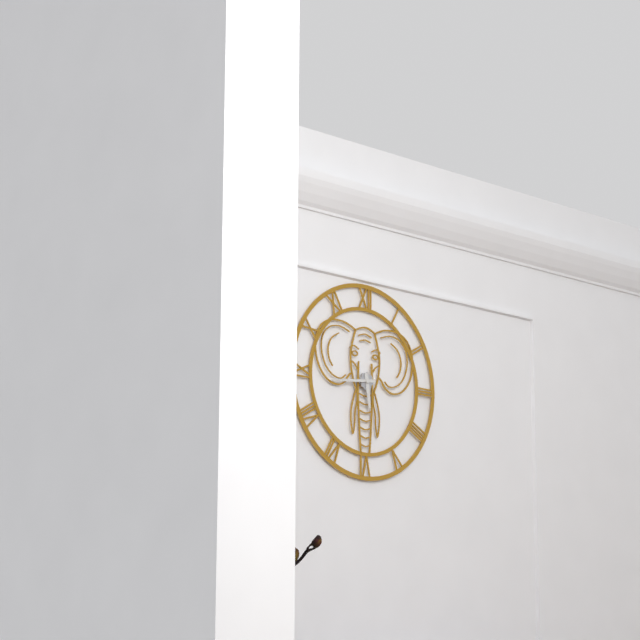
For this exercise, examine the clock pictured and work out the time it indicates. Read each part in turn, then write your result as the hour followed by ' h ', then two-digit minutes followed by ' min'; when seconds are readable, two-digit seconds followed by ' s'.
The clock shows 5 h 44 min
